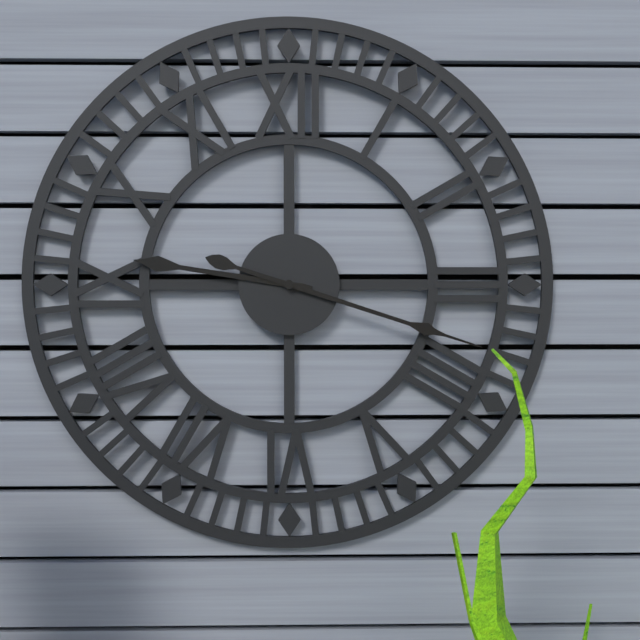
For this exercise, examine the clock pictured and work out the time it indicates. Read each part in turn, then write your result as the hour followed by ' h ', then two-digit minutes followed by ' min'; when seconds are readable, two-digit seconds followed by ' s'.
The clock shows 9 h 18 min
